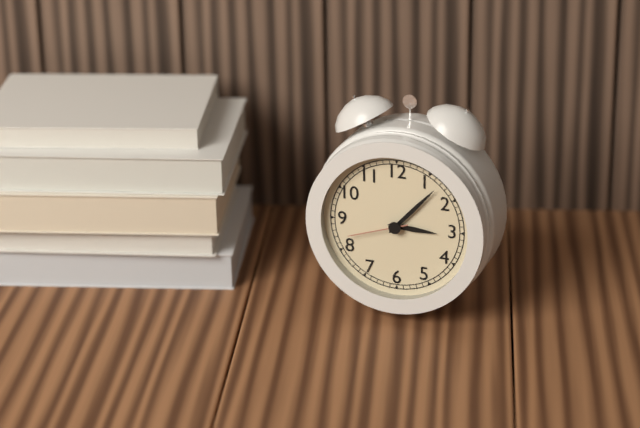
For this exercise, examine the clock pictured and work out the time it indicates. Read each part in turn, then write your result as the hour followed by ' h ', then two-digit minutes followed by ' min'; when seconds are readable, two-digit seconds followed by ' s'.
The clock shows 3 h 07 min 42 s
